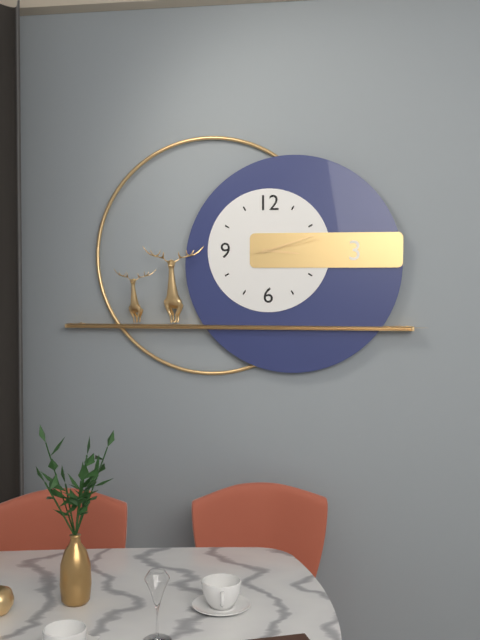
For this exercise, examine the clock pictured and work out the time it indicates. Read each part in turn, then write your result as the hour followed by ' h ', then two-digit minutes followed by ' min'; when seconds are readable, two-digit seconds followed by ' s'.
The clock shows 3 h 12 min 13 s
